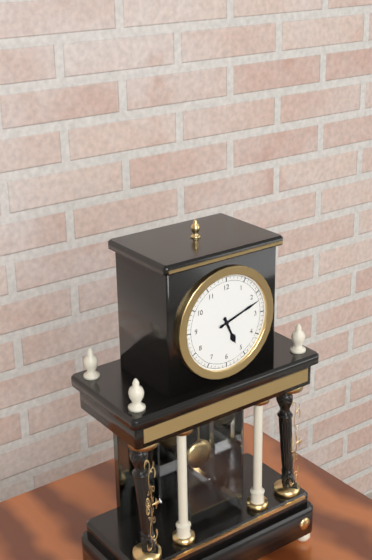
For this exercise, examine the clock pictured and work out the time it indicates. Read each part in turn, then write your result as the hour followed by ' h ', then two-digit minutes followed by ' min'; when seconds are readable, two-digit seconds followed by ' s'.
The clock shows 5 h 12 min
